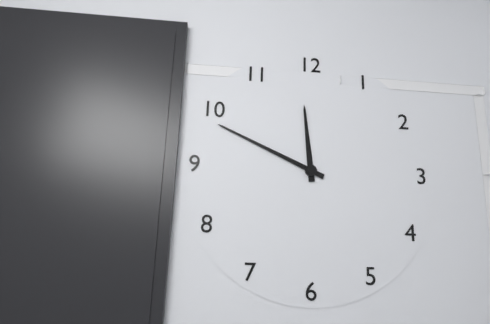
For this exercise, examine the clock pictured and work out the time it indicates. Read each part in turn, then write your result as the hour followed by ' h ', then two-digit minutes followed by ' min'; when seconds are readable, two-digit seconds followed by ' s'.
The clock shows 11 h 49 min
